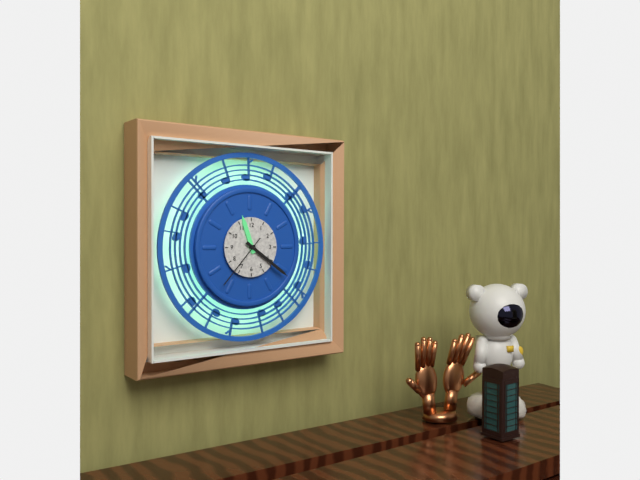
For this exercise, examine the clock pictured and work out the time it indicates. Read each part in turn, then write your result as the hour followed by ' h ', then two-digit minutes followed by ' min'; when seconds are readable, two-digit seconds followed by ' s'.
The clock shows 11 h 21 min 37 s
